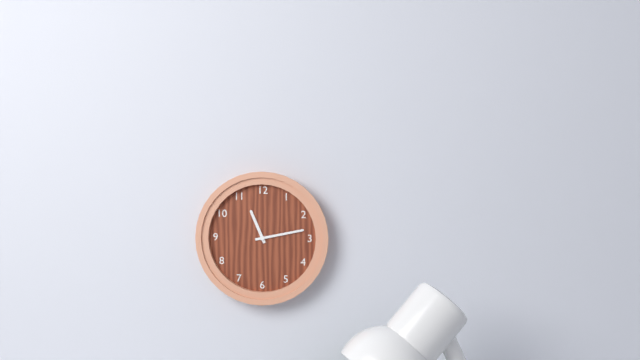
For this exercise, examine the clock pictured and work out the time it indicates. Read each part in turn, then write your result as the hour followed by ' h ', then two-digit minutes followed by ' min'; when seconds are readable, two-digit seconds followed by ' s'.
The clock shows 11 h 13 min
